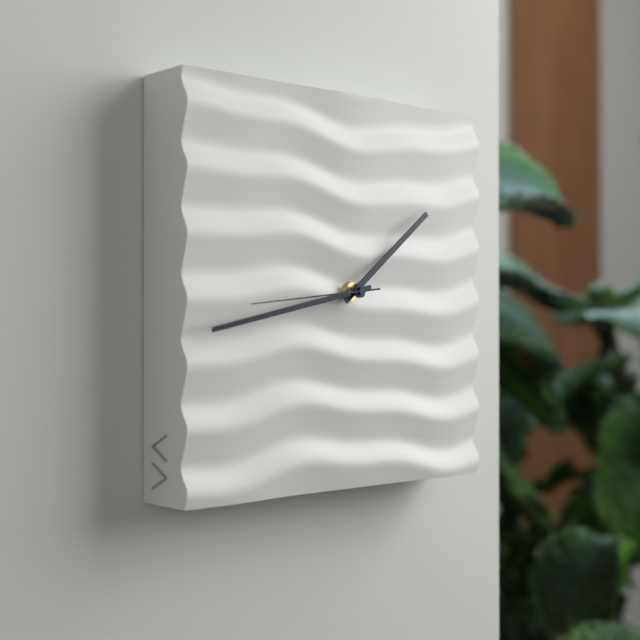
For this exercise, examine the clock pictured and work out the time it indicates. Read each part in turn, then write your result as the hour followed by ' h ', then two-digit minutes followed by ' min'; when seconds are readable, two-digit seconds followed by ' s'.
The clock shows 1 h 43 min 44 s
